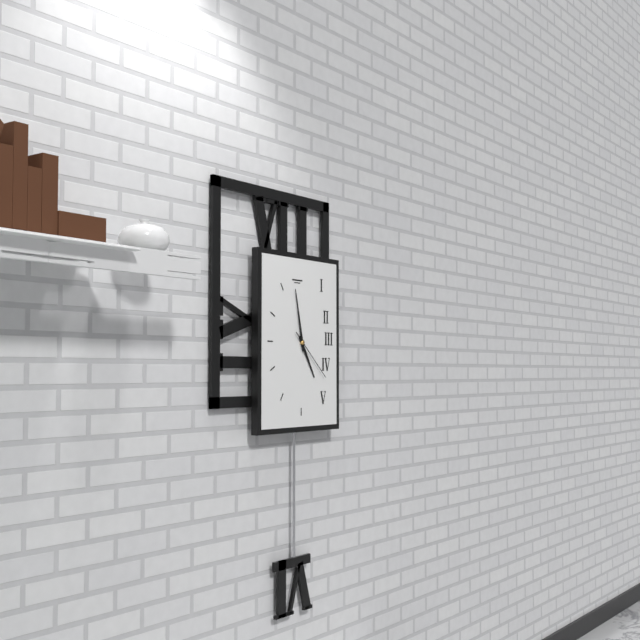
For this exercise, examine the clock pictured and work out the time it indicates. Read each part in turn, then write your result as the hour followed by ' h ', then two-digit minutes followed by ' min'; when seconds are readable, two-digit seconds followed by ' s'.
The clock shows 4 h 58 min 22 s
